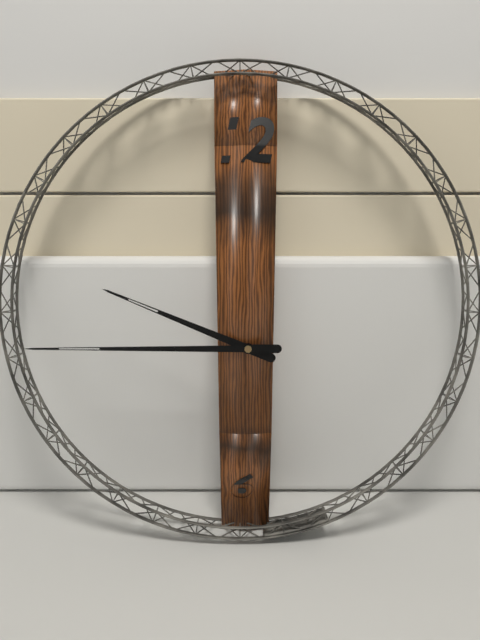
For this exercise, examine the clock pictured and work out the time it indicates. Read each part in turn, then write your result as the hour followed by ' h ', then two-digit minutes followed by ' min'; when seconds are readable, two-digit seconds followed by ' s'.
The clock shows 9 h 45 min
